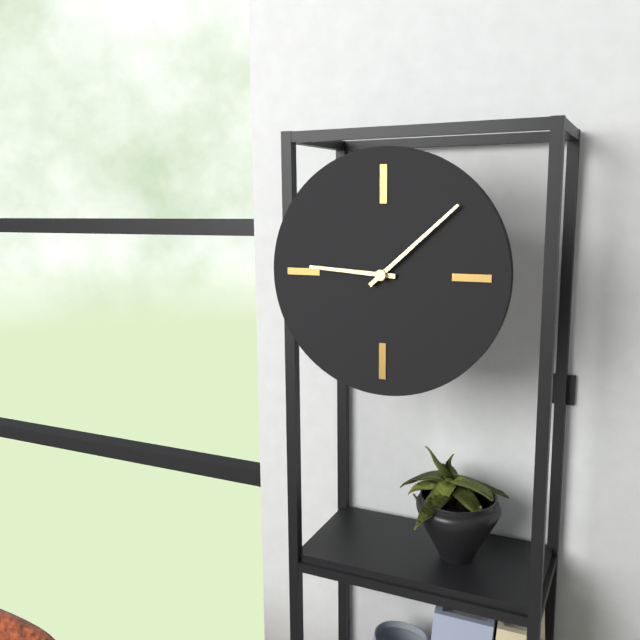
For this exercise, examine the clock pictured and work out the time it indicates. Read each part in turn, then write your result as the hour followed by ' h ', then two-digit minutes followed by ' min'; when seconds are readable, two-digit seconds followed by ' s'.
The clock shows 9 h 08 min
